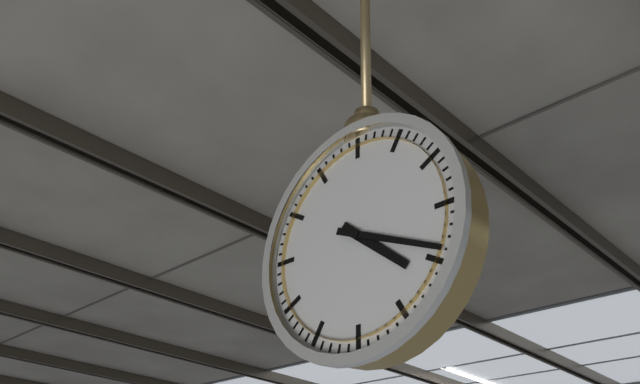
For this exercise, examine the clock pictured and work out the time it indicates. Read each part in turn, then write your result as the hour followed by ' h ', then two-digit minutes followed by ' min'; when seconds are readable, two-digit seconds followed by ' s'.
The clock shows 4 h 19 min
